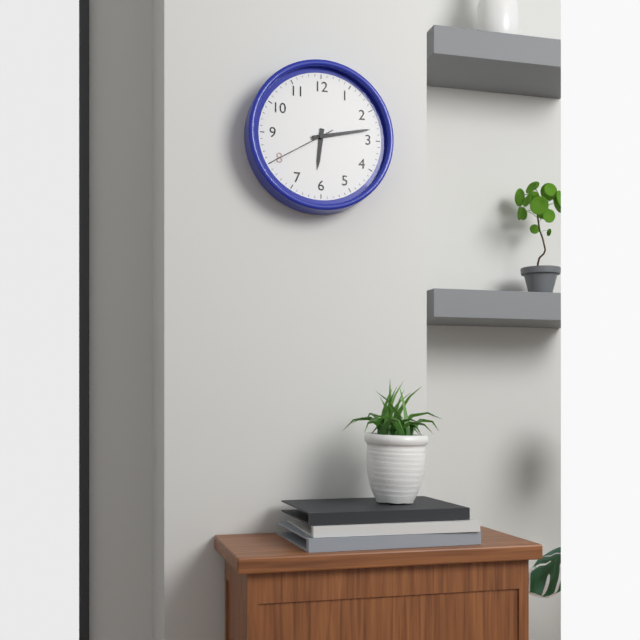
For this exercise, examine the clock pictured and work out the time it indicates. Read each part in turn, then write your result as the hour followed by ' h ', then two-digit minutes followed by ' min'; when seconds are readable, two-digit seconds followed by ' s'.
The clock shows 6 h 13 min 40 s
